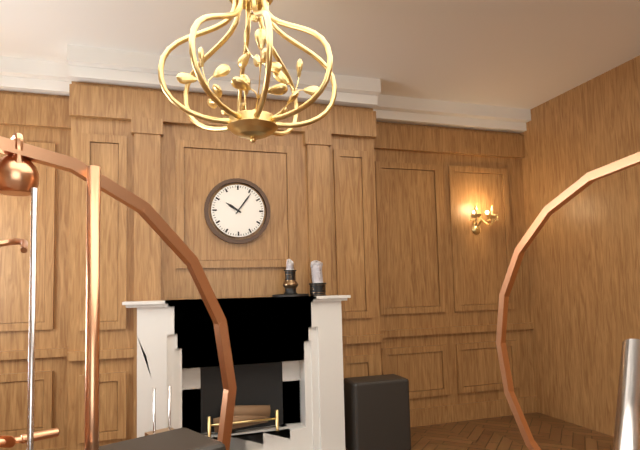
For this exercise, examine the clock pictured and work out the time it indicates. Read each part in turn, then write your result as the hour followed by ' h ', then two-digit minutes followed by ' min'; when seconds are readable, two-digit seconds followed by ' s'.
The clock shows 10 h 06 min
